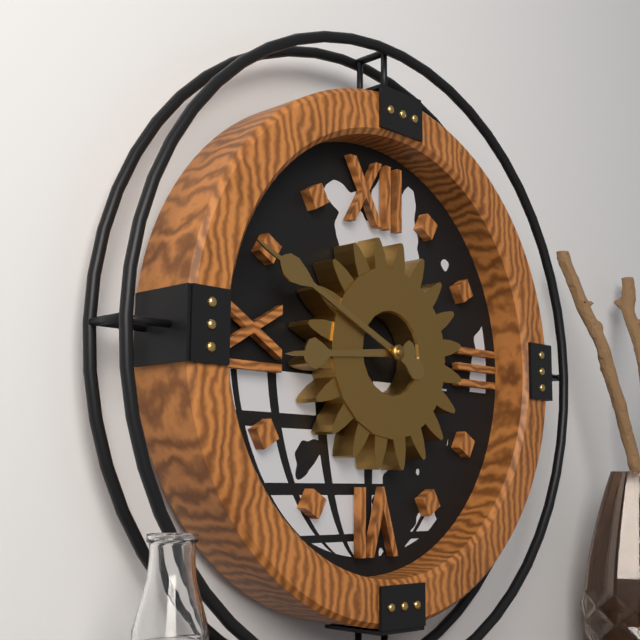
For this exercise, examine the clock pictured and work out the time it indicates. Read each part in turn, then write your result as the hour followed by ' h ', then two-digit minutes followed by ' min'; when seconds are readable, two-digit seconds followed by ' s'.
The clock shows 8 h 49 min
